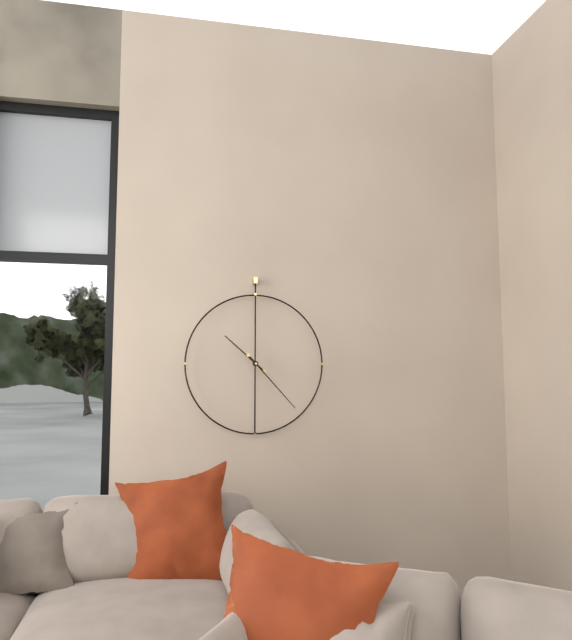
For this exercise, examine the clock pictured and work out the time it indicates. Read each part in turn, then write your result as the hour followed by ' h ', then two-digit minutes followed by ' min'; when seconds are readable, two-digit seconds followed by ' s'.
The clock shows 10 h 23 min
